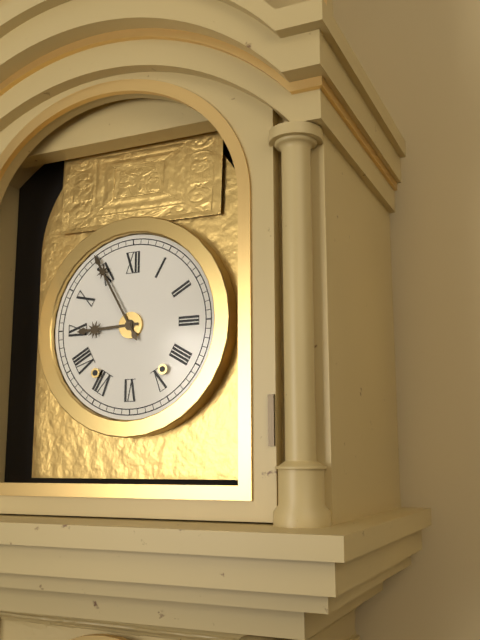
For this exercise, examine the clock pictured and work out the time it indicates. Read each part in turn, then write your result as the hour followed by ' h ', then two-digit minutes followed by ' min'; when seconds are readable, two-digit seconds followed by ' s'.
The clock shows 8 h 55 min
